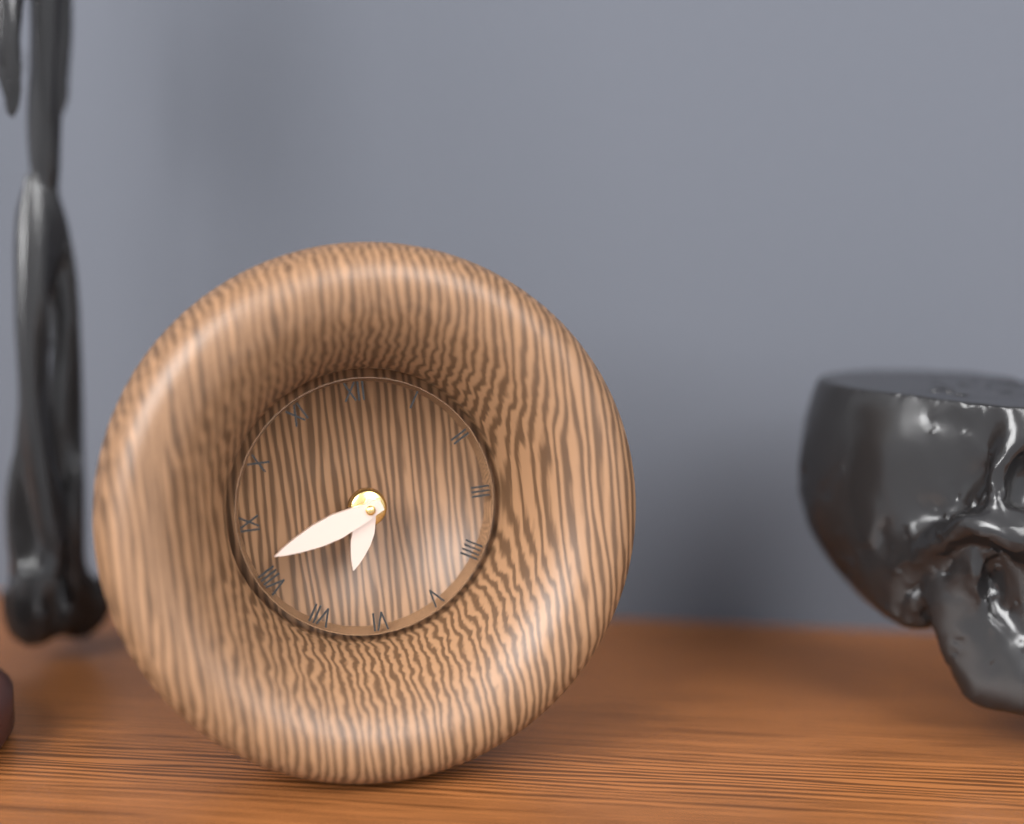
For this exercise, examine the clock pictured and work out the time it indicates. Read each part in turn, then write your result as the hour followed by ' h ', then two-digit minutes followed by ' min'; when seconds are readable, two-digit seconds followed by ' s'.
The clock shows 6 h 42 min
